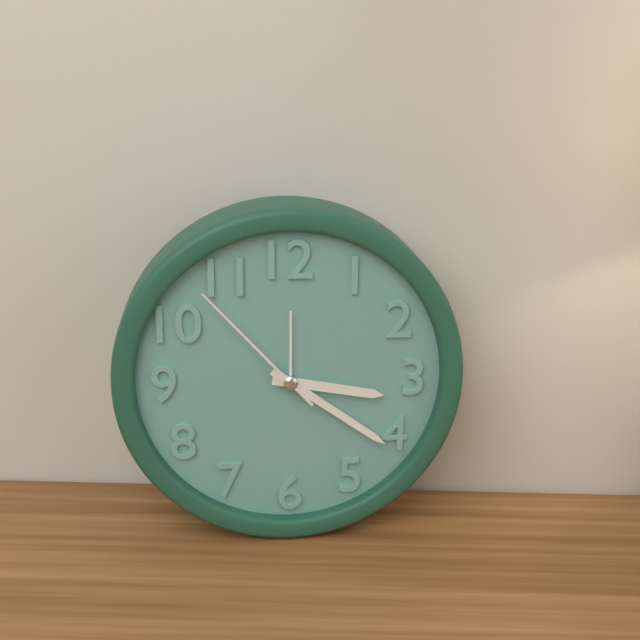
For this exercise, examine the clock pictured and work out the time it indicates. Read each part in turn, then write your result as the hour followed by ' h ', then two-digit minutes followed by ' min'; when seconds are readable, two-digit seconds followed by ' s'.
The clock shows 3 h 21 min 53 s
